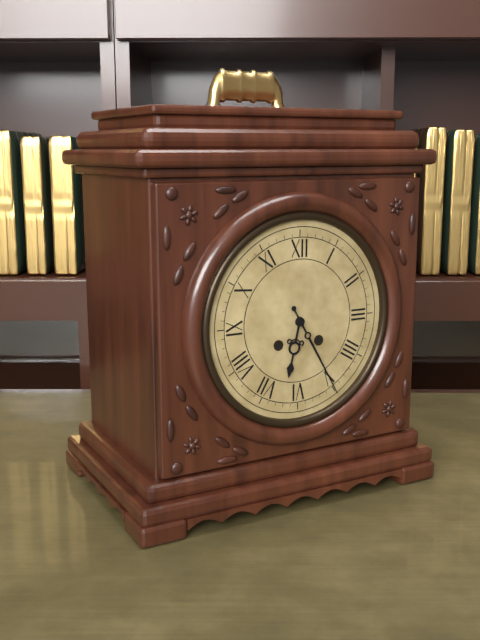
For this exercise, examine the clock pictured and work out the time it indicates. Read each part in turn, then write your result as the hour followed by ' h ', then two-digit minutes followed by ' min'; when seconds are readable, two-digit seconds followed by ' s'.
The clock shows 6 h 25 min
